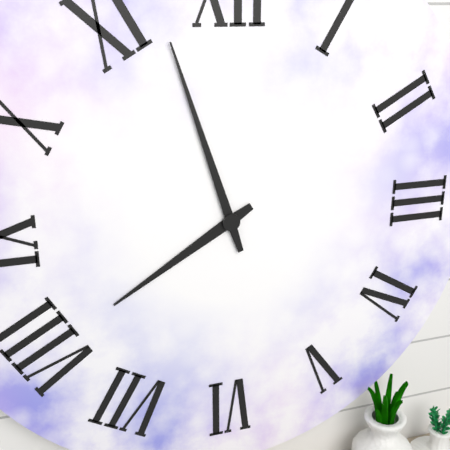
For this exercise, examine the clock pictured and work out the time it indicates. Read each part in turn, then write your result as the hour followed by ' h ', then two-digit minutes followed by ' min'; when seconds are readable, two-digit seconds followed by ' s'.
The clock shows 7 h 57 min
